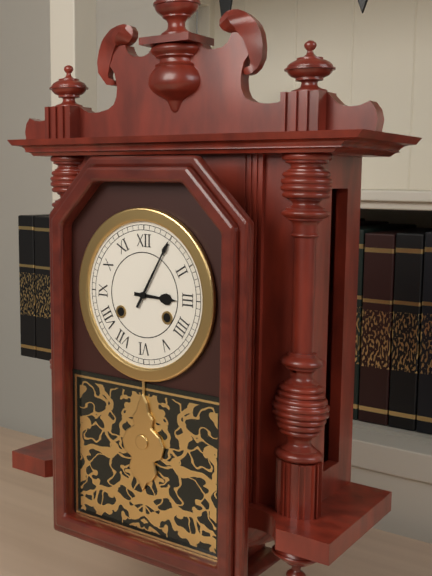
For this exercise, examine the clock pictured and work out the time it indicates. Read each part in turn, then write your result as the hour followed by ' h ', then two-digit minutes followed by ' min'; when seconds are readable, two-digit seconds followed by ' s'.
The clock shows 3 h 05 min
